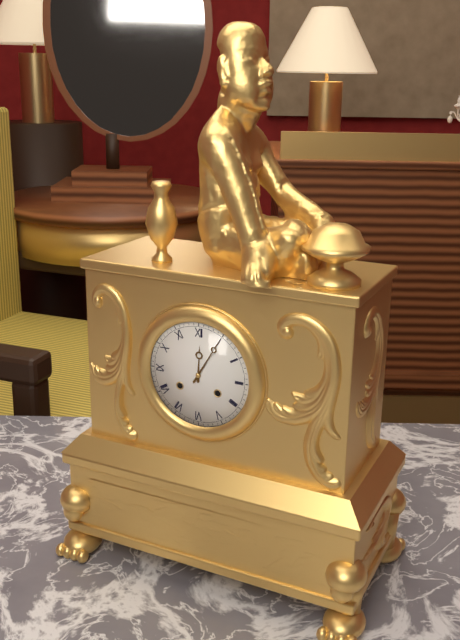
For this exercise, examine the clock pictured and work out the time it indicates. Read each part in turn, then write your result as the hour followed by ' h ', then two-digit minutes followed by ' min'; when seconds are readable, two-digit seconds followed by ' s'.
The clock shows 12 h 05 min
